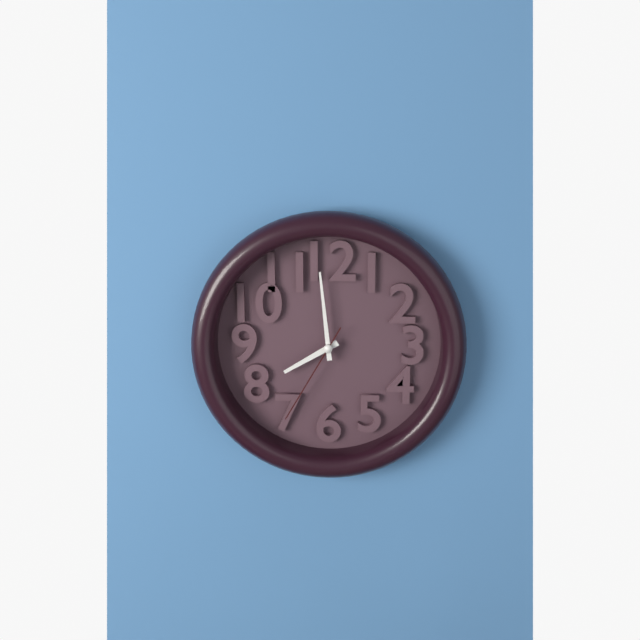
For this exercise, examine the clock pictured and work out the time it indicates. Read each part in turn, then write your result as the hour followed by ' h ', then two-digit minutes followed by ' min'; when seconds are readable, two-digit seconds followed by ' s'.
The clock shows 7 h 59 min 35 s
